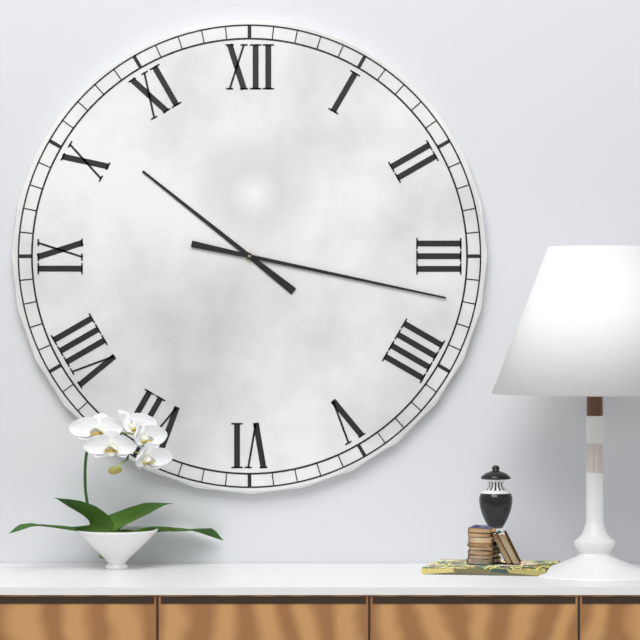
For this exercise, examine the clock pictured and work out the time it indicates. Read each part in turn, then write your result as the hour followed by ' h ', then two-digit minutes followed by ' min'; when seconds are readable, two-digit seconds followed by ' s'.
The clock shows 10 h 17 min
